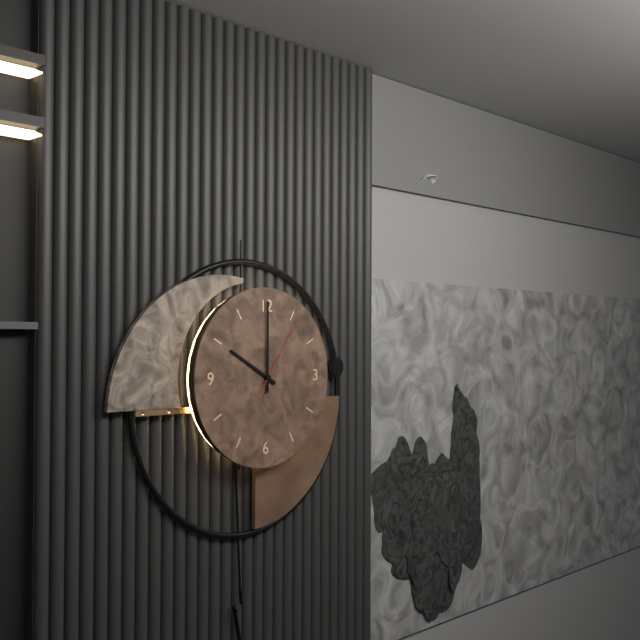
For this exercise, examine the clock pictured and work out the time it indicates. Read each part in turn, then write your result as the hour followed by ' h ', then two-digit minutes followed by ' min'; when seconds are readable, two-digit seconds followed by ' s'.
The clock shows 10 h 00 min 06 s
